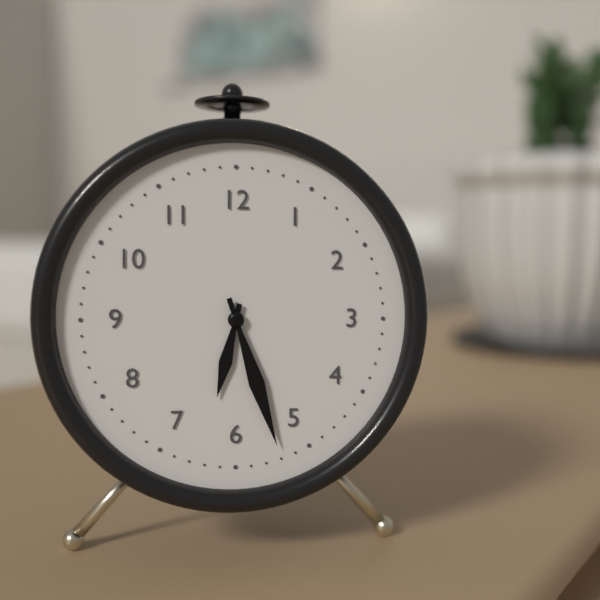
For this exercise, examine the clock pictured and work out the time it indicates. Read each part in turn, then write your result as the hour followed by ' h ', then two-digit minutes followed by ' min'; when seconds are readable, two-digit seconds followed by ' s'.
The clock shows 6 h 27 min
